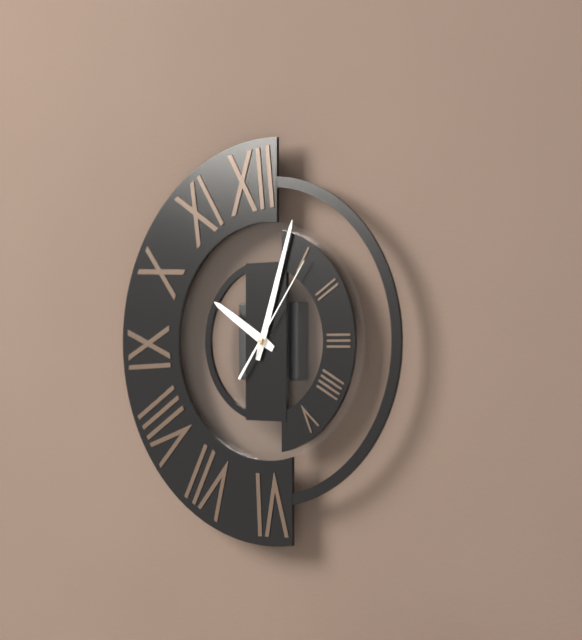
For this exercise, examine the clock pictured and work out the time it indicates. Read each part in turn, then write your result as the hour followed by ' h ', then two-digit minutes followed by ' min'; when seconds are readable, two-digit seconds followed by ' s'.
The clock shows 10 h 03 min 06 s
